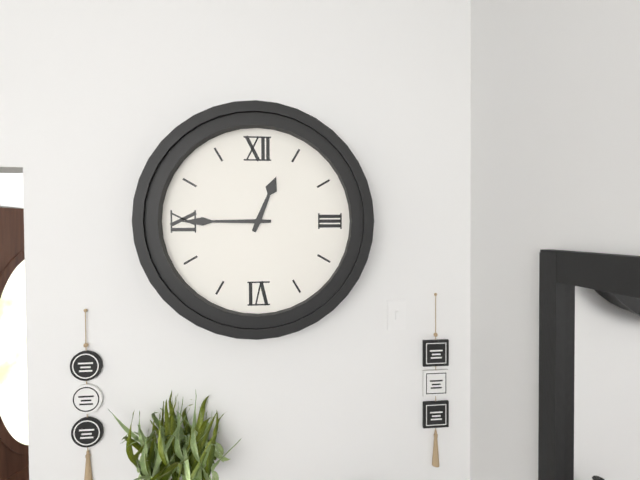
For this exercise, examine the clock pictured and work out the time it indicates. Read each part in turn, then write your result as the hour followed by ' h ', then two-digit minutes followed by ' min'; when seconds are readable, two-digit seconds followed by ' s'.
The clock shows 12 h 45 min
